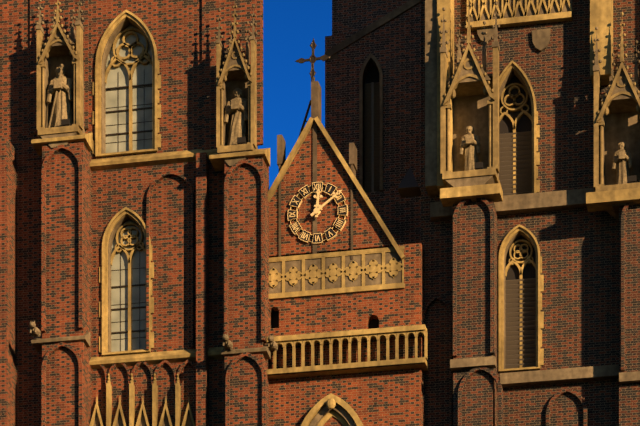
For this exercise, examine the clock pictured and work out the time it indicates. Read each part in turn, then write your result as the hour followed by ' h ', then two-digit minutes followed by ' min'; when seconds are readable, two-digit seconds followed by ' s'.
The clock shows 12 h 09 min
